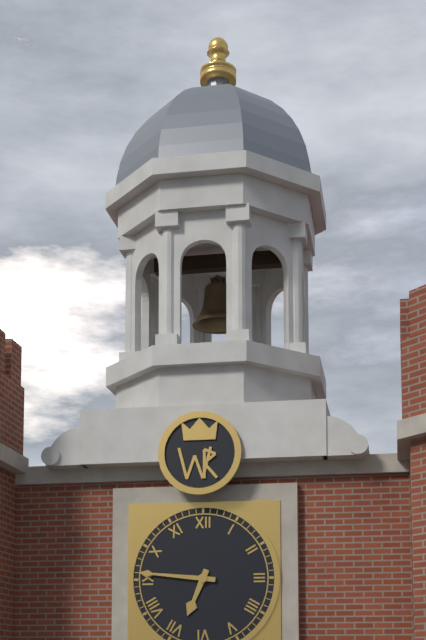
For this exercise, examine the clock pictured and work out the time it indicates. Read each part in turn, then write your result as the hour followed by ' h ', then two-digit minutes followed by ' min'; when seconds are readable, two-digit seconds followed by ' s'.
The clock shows 6 h 46 min
